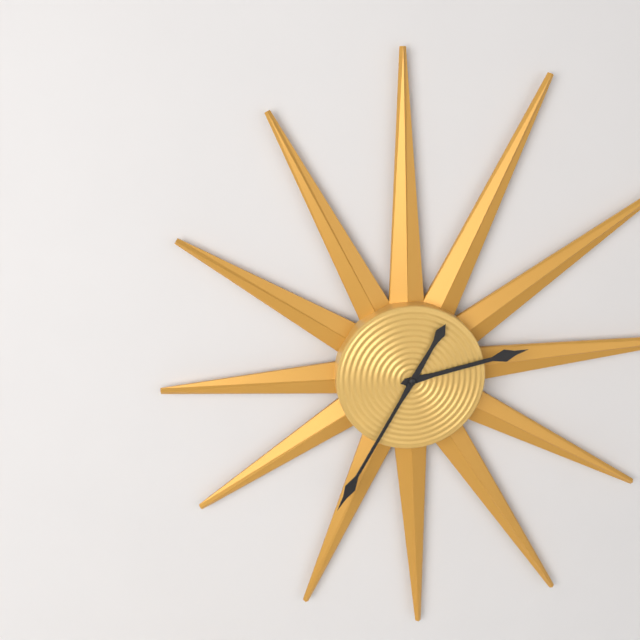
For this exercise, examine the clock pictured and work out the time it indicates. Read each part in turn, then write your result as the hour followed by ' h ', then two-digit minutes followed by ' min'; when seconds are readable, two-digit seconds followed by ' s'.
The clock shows 2 h 35 min
